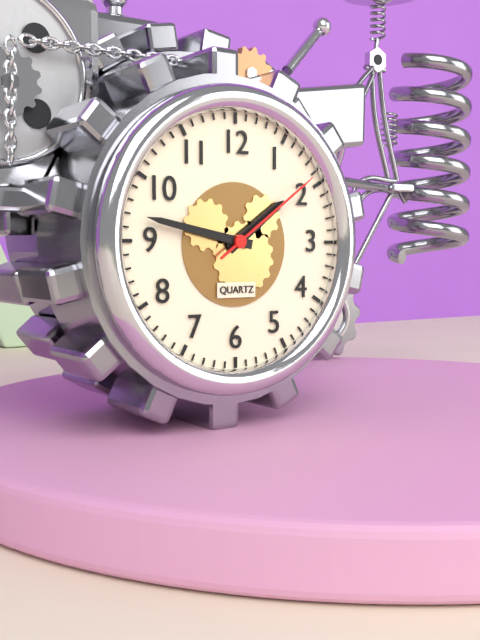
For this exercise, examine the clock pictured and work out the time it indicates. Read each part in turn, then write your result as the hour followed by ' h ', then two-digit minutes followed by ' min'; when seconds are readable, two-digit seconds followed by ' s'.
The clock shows 1 h 47 min 09 s
